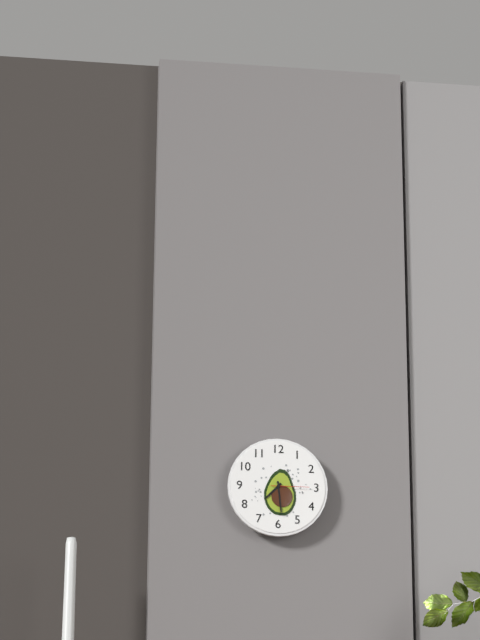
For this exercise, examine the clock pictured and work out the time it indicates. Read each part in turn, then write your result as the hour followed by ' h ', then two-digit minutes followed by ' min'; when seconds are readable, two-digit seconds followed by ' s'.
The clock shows 7 h 29 min
